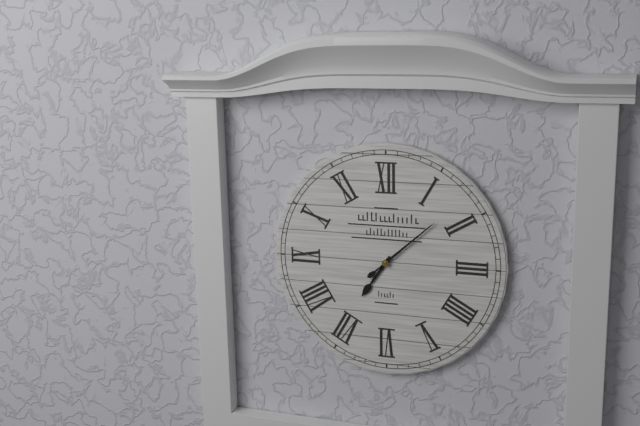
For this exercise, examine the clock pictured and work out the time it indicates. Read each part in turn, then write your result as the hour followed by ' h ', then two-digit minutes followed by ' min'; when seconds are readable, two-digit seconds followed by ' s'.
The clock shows 7 h 08 min
